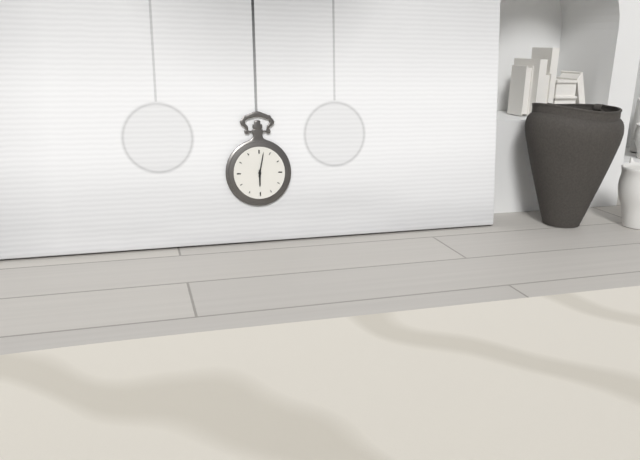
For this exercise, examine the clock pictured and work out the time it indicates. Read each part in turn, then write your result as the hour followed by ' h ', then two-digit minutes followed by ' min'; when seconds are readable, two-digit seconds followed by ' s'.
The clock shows 6 h 02 min
